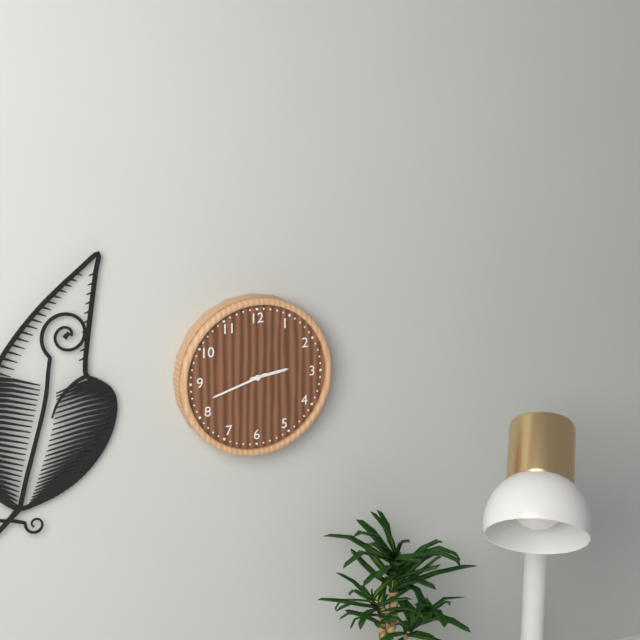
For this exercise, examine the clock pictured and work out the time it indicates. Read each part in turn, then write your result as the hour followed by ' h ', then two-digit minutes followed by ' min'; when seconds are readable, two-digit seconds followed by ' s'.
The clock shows 2 h 42 min
